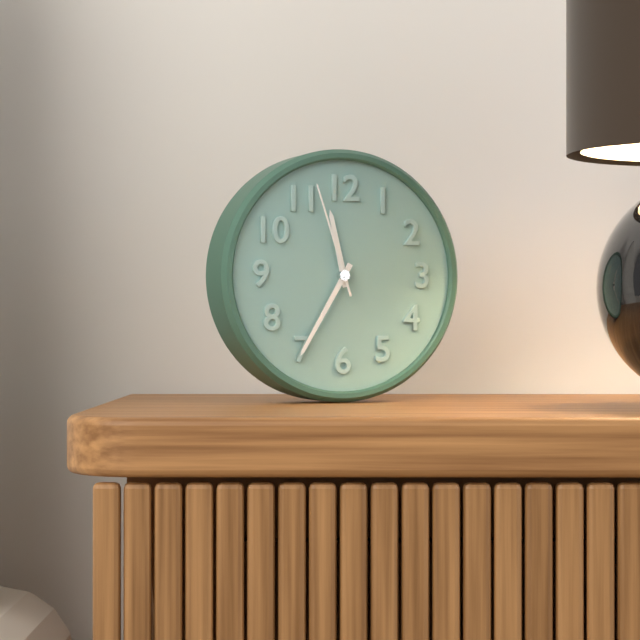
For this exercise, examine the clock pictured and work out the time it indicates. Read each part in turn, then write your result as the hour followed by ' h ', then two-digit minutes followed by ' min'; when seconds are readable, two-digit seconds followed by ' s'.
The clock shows 11 h 35 min 57 s
